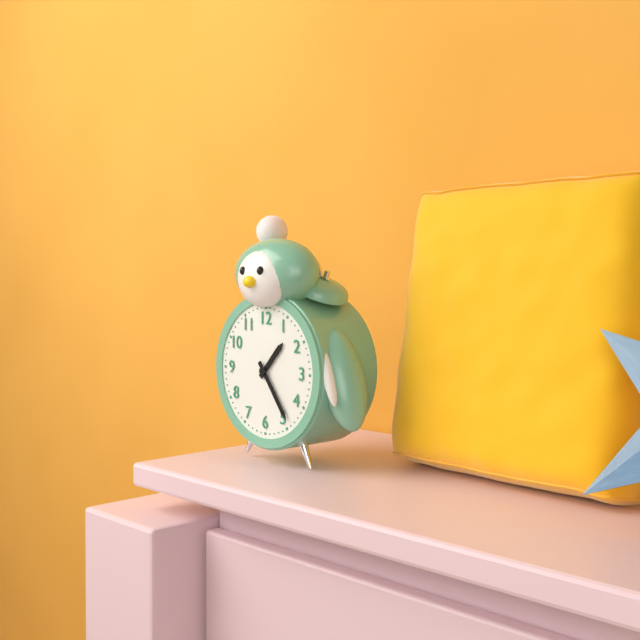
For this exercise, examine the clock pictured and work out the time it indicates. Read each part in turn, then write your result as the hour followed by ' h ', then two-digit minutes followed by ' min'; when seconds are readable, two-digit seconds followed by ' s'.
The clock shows 1 h 24 min
